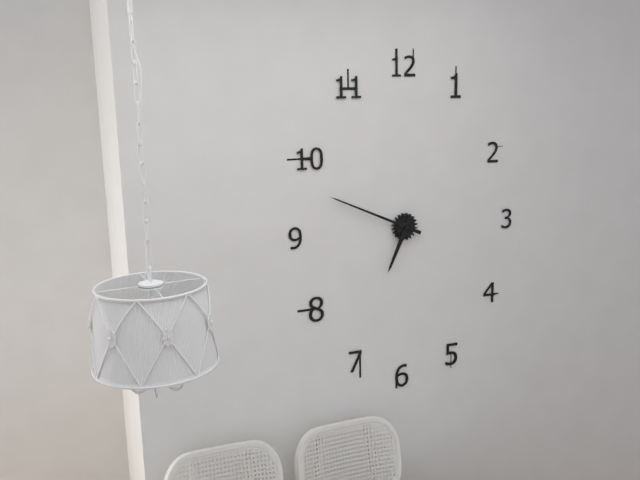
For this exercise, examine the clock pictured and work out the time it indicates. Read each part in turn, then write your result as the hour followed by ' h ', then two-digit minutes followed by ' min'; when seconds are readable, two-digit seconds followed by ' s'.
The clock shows 6 h 49 min
